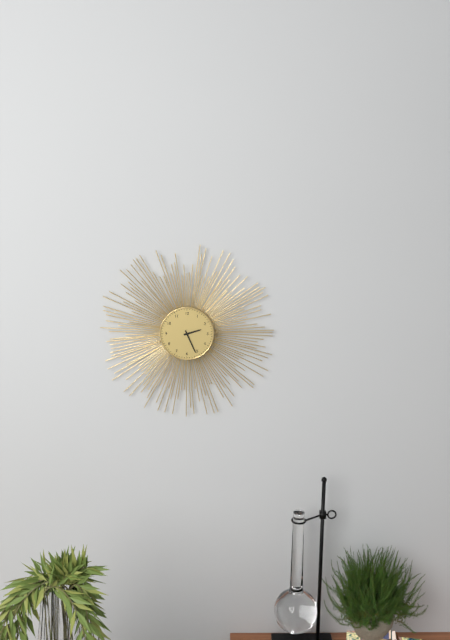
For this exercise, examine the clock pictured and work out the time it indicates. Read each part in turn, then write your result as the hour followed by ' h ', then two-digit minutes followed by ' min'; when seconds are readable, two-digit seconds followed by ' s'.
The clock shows 2 h 26 min
